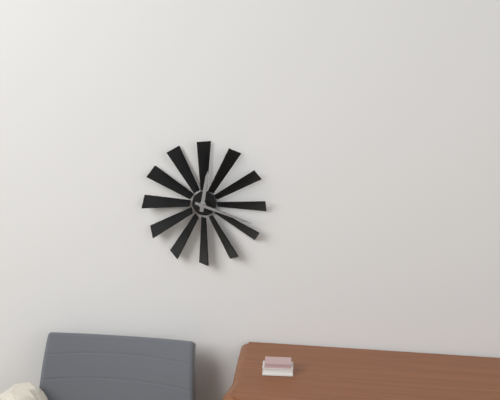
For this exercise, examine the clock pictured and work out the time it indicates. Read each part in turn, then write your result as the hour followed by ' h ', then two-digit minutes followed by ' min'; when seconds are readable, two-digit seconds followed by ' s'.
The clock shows 12 h 18 min
